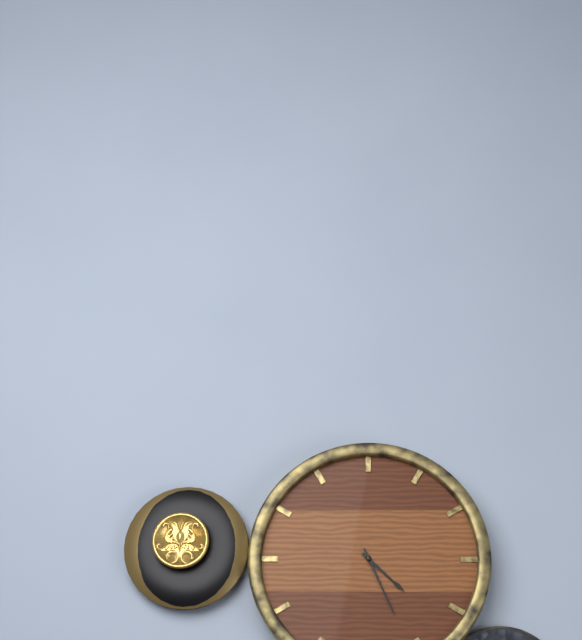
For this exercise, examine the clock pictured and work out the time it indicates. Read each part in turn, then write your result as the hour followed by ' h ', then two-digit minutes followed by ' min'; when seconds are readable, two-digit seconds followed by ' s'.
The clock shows 4 h 26 min
